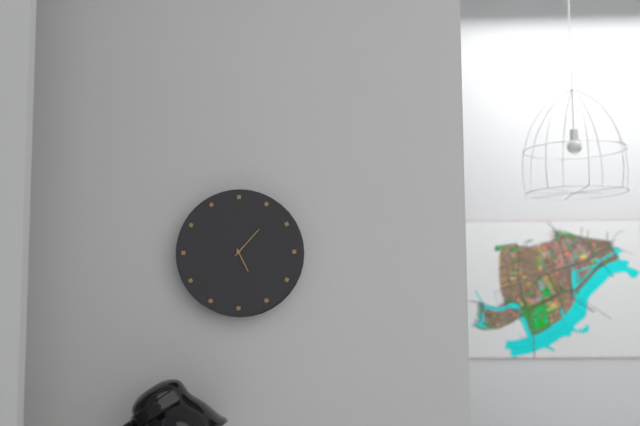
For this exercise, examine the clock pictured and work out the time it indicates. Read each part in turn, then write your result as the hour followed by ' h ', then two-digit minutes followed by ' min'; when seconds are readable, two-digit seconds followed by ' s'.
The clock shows 5 h 07 min
